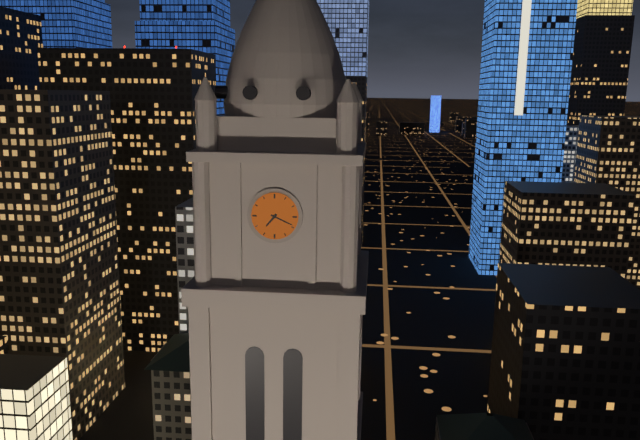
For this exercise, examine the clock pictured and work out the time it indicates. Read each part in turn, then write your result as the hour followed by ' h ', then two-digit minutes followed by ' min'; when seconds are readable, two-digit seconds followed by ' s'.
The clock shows 7 h 19 min
